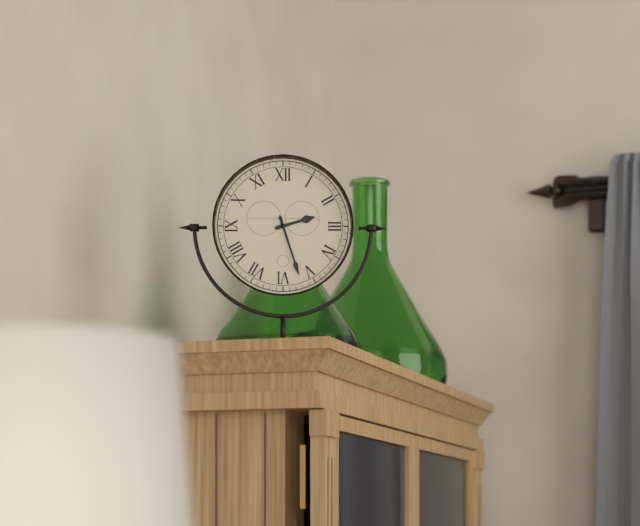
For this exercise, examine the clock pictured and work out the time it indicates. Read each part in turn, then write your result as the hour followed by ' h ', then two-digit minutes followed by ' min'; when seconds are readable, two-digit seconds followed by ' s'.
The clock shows 2 h 27 min
